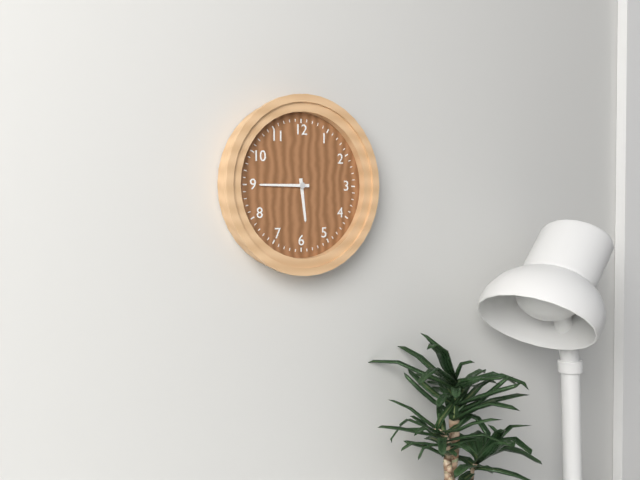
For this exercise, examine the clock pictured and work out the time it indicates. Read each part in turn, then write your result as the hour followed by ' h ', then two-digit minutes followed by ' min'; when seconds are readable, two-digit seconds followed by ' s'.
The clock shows 5 h 45 min
